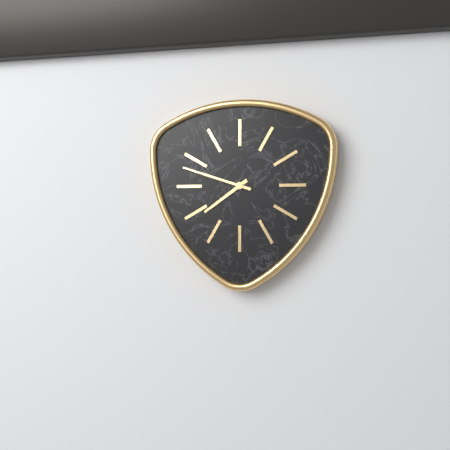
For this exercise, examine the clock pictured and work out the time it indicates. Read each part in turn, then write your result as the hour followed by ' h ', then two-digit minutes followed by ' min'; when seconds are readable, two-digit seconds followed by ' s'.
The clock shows 7 h 48 min
